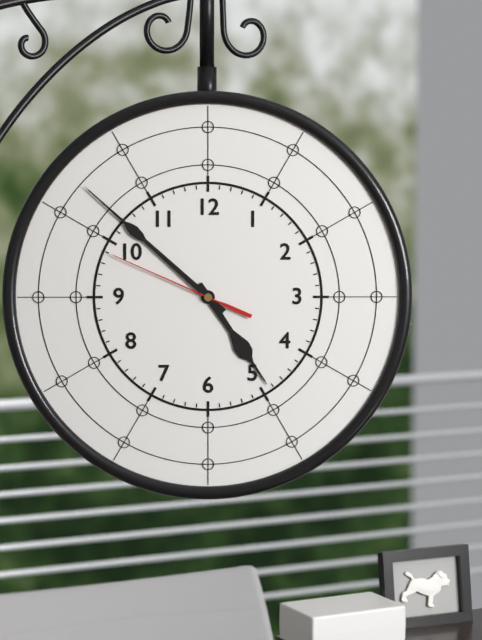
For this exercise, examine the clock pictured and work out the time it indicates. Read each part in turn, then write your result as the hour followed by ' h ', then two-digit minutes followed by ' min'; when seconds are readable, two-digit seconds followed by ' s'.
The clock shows 4 h 52 min 49 s
